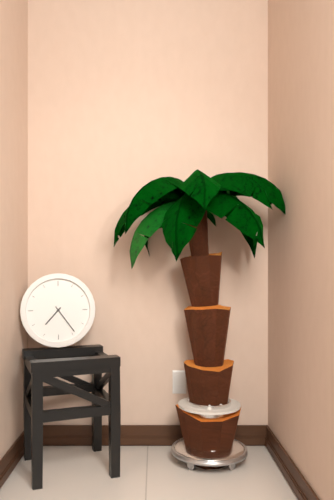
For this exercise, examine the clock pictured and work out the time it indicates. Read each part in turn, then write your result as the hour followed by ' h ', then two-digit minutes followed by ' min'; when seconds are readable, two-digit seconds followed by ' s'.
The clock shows 7 h 24 min
